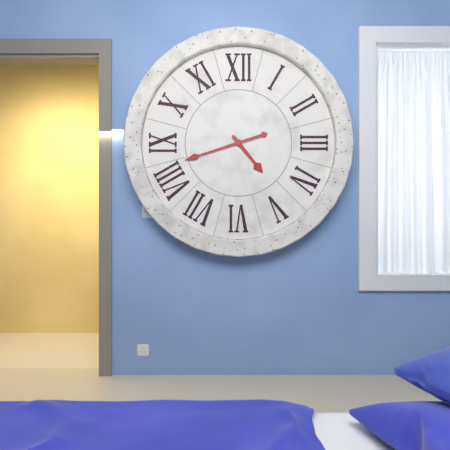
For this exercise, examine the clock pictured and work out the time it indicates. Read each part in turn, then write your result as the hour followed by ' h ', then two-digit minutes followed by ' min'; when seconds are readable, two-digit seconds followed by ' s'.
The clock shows 4 h 42 min
